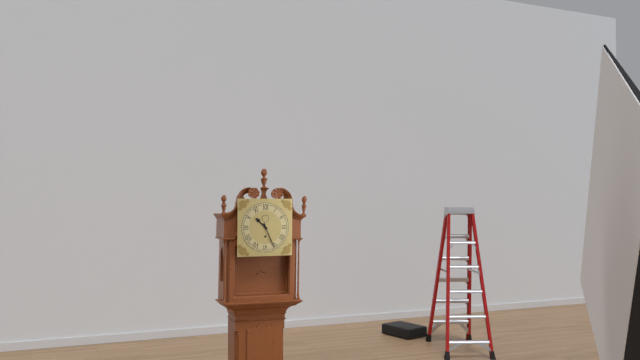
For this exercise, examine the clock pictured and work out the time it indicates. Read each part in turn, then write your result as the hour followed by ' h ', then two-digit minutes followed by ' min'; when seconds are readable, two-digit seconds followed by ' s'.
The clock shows 10 h 26 min
